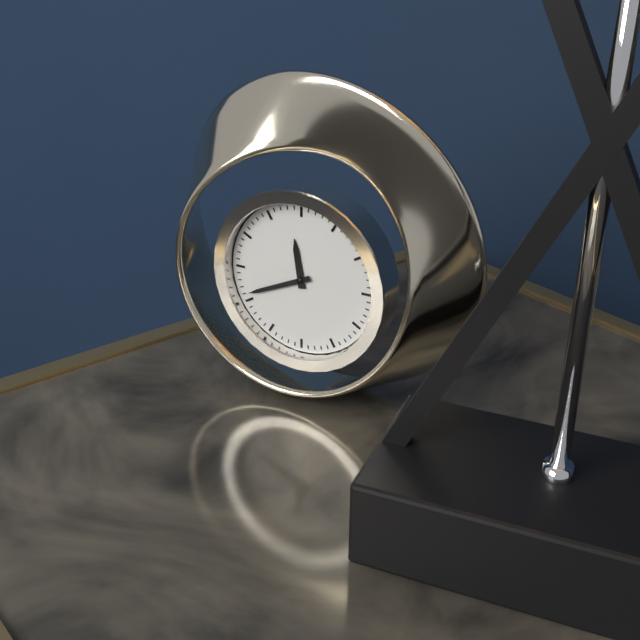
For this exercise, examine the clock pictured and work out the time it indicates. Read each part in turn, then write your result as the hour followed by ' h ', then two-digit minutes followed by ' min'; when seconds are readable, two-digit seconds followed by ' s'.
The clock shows 11 h 41 min
